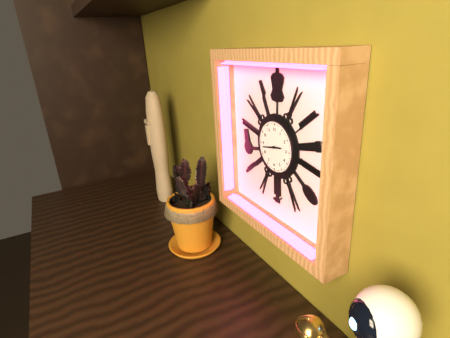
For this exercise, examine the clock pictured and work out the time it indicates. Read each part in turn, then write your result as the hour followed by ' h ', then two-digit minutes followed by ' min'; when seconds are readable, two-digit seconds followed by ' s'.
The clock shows 2 h 43 min
